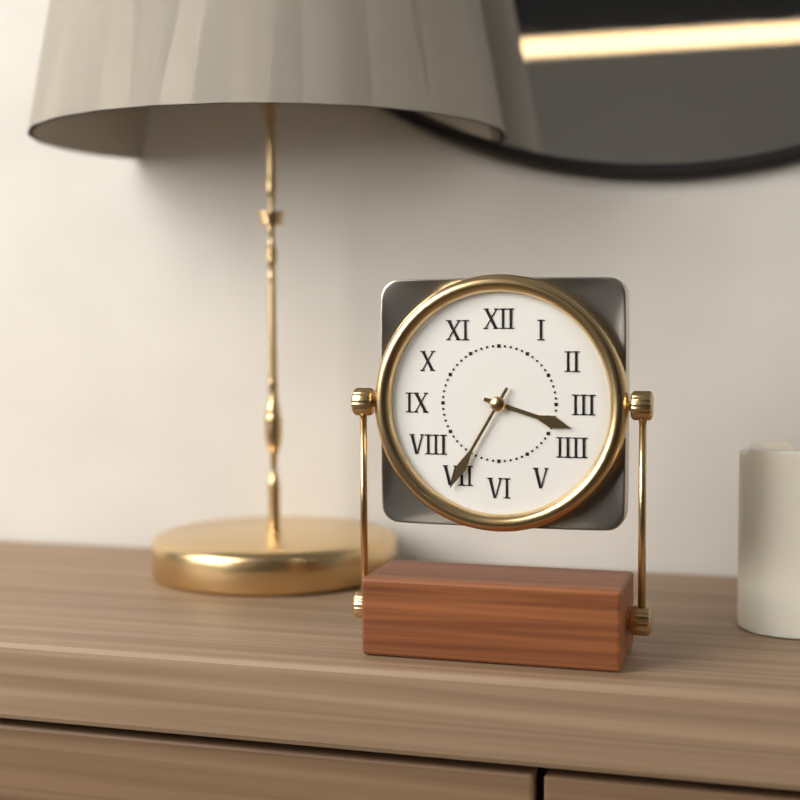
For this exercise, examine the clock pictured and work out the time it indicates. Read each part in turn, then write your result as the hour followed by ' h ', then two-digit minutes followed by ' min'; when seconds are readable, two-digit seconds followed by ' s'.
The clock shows 3 h 35 min
